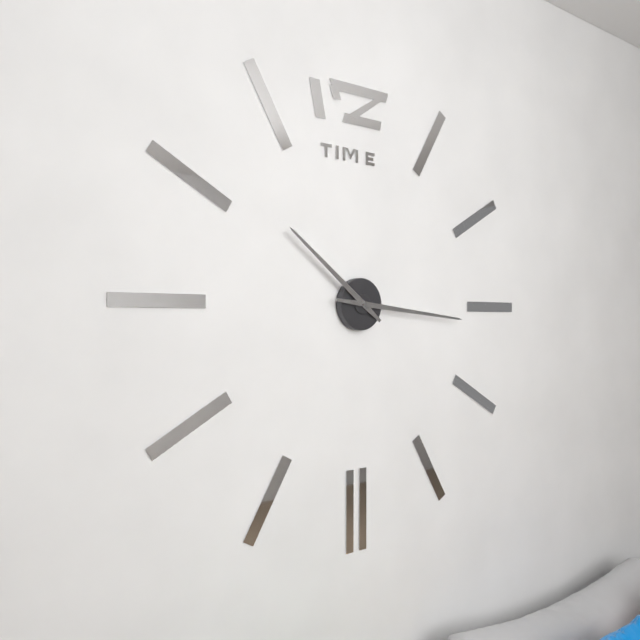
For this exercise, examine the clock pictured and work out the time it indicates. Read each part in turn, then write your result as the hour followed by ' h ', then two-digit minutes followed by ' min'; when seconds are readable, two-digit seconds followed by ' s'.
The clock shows 10 h 16 min
